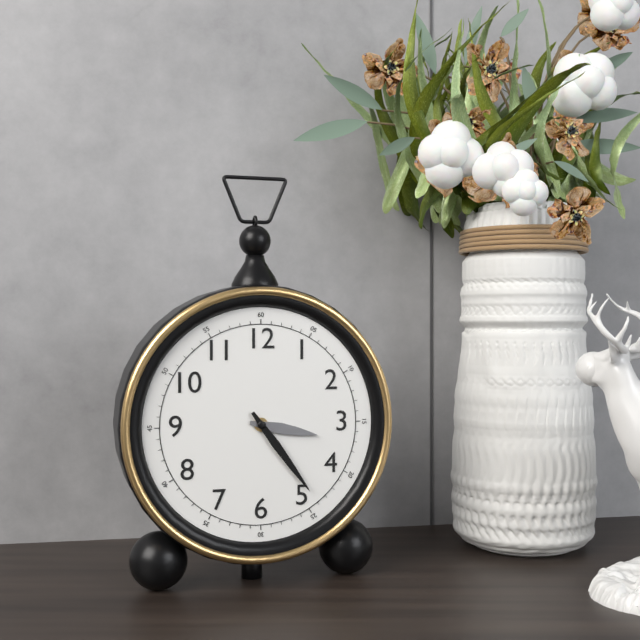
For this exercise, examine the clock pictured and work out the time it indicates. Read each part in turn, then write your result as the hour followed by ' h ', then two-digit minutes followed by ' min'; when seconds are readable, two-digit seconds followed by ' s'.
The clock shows 3 h 24 min
